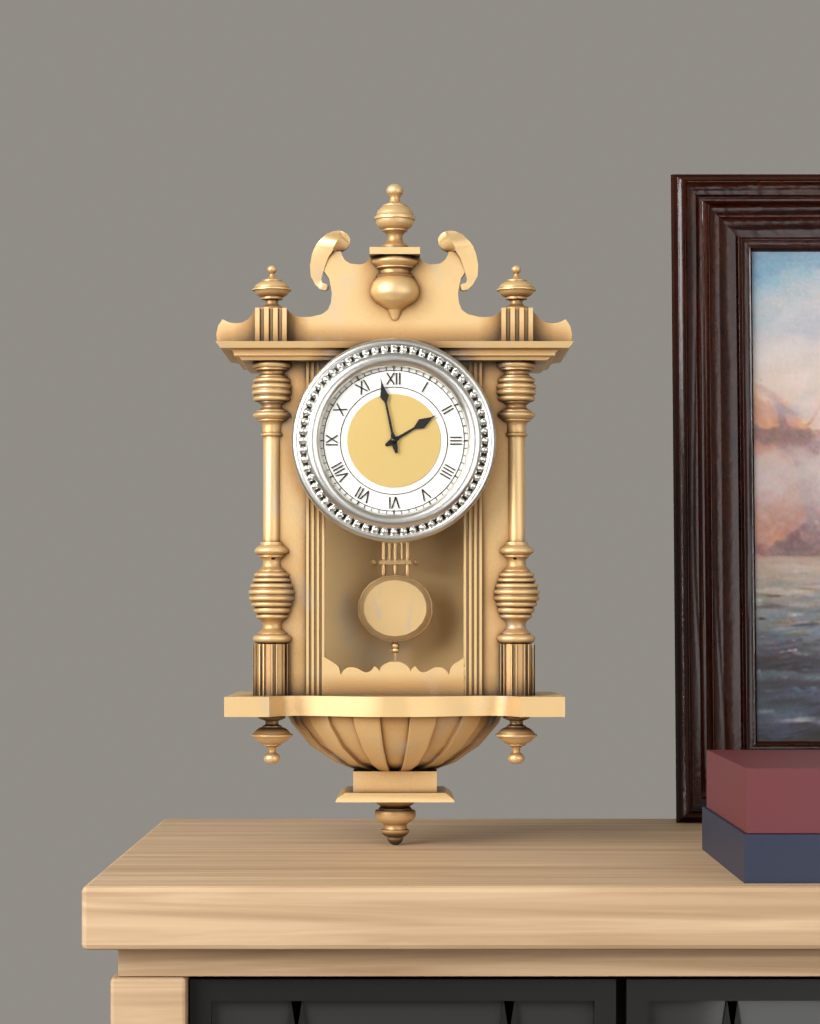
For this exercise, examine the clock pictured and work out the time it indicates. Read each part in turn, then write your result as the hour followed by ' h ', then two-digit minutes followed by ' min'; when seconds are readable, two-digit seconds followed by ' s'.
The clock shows 1 h 58 min
